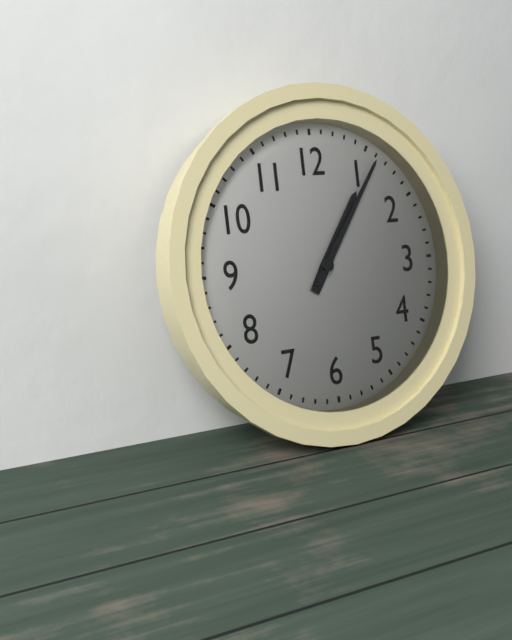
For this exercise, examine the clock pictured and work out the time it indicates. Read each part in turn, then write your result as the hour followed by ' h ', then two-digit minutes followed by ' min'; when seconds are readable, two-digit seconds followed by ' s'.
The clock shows 1 h 06 min
